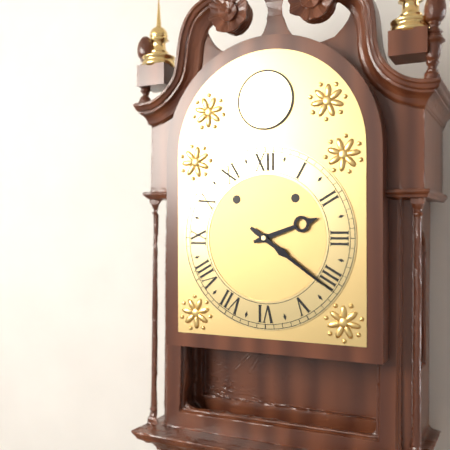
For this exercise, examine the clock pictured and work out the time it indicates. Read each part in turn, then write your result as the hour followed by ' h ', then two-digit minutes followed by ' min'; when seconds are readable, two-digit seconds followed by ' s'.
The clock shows 2 h 21 min
